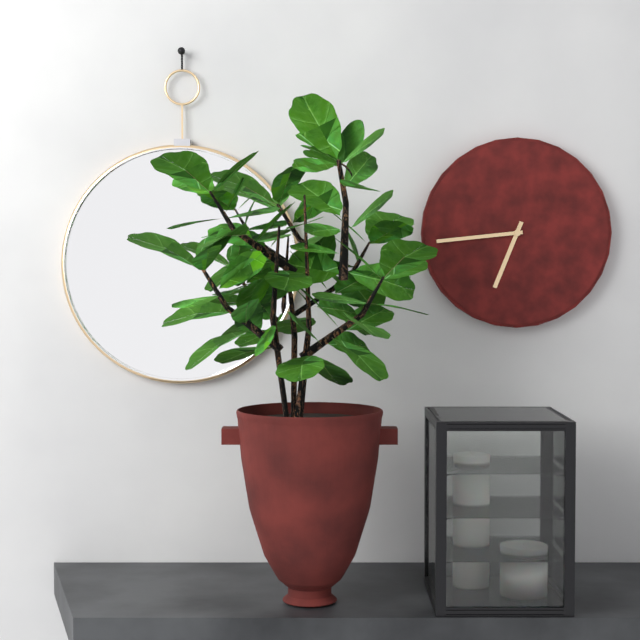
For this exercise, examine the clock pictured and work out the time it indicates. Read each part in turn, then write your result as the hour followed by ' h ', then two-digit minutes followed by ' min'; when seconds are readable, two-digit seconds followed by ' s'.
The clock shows 6 h 44 min
